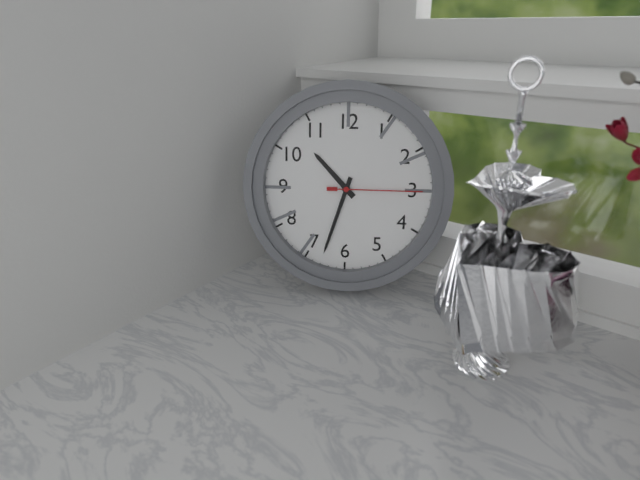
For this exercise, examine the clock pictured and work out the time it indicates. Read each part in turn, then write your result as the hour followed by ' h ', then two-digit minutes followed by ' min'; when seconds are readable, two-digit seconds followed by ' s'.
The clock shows 10 h 33 min 15 s
